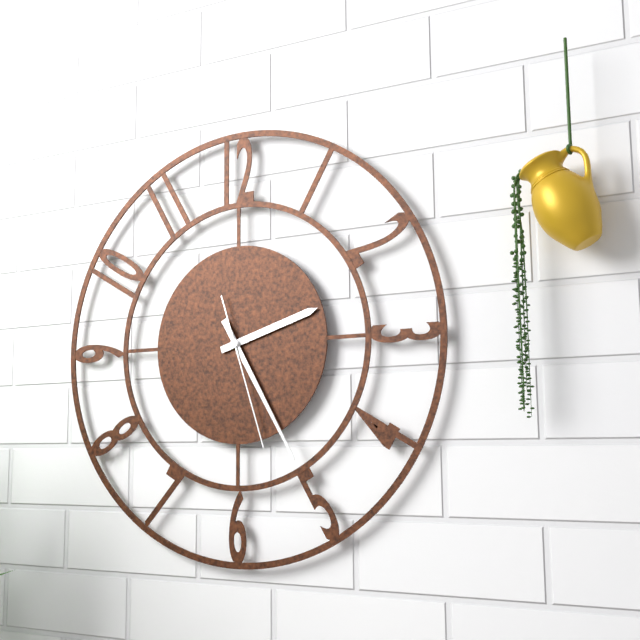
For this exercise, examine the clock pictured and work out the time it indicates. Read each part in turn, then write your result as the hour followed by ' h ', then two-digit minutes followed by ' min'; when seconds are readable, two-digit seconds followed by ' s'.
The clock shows 2 h 25 min 27 s
